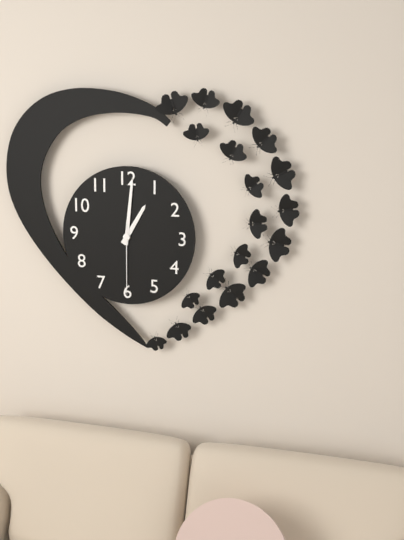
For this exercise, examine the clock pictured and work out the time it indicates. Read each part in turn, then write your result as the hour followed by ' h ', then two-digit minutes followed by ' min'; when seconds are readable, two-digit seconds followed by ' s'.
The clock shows 1 h 01 min 30 s
